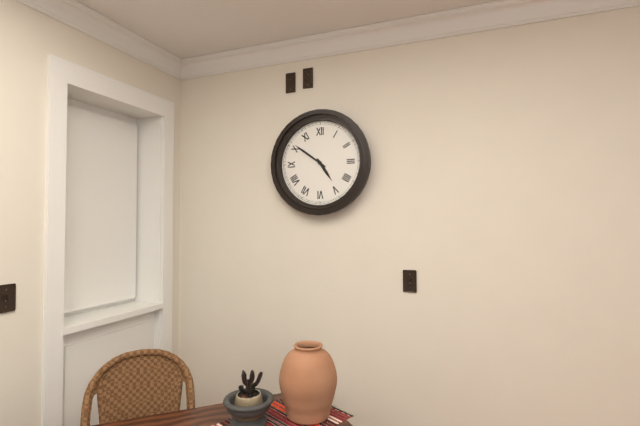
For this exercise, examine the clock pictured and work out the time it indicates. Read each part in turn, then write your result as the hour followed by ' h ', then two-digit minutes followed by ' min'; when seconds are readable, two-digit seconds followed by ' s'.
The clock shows 4 h 51 min
